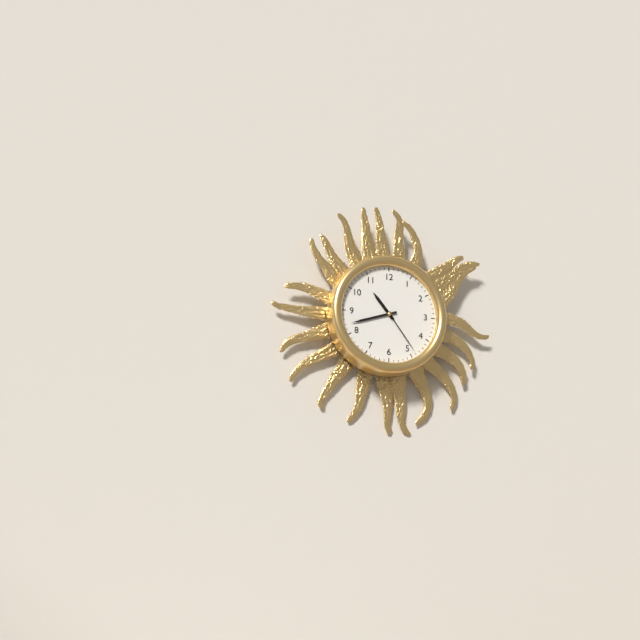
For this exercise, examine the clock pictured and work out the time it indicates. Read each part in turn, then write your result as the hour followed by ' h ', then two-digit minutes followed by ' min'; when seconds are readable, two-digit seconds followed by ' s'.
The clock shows 10 h 42 min 24 s
